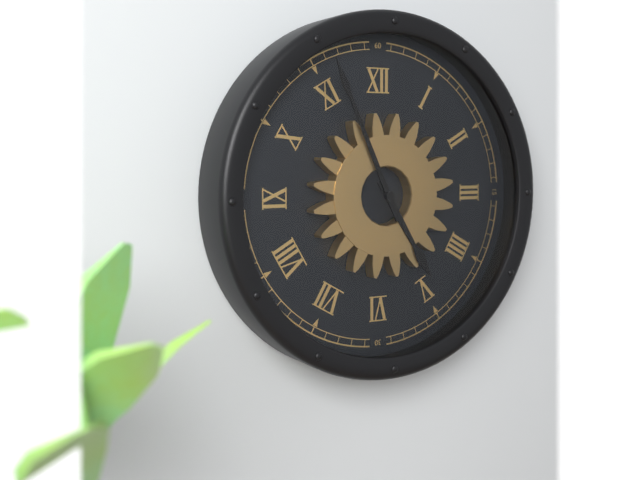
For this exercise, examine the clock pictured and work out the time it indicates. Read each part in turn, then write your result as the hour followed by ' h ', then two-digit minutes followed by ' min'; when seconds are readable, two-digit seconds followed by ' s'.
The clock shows 4 h 56 min
